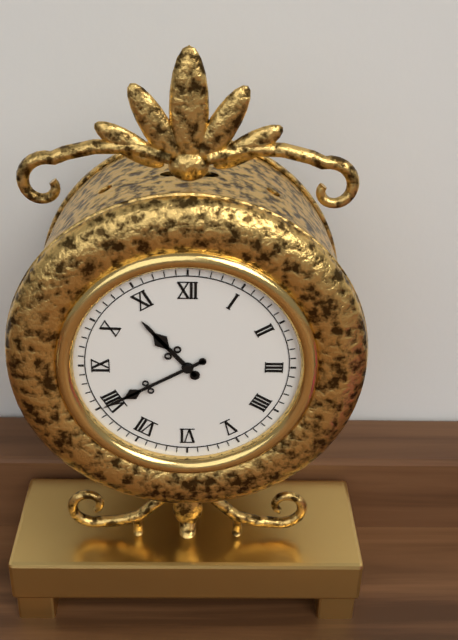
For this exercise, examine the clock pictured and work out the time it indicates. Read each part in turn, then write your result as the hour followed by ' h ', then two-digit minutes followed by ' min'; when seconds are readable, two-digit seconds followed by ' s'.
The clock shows 10 h 40 min
